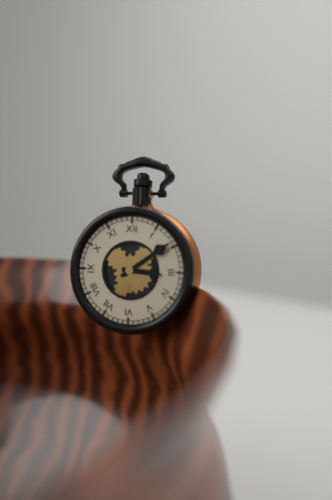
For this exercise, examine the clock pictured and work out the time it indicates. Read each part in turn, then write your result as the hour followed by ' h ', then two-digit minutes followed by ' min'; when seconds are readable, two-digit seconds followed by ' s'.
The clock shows 3 h 09 min
